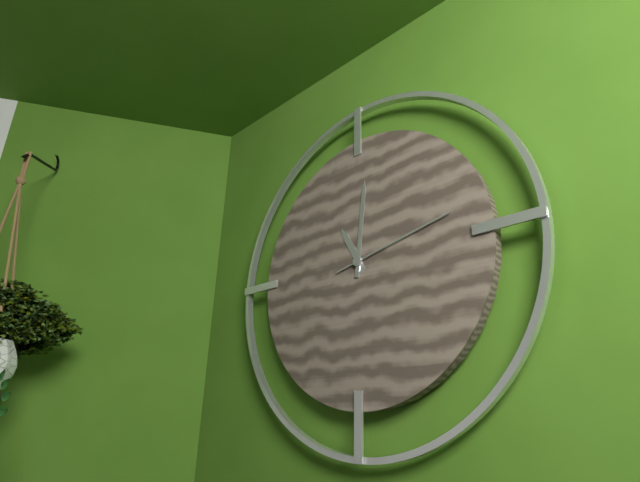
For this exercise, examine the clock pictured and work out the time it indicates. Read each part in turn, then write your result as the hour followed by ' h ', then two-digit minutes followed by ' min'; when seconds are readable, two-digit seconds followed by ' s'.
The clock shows 11 h 01 min 13 s
